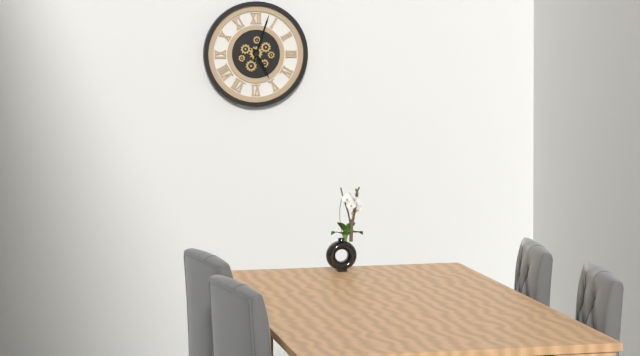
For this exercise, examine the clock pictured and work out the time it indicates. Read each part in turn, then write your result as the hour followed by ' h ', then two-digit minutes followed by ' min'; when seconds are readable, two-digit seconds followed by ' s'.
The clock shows 5 h 03 min
